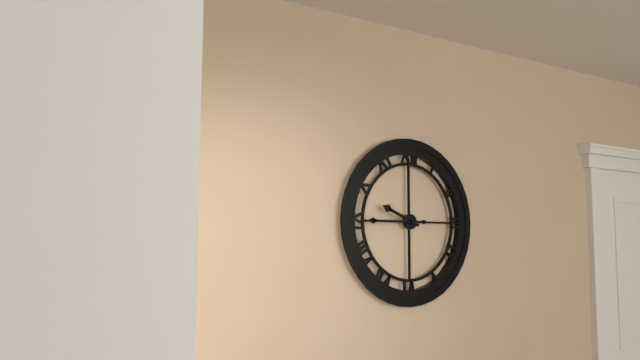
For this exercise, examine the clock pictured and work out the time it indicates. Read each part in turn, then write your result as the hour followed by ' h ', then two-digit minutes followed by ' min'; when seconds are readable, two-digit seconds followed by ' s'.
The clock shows 9 h 45 min
